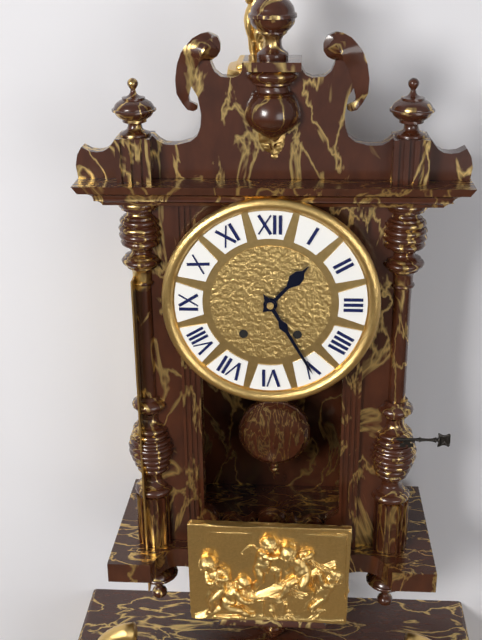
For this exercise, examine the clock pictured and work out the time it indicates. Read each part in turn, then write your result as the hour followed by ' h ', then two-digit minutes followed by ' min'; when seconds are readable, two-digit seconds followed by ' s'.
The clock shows 1 h 25 min
